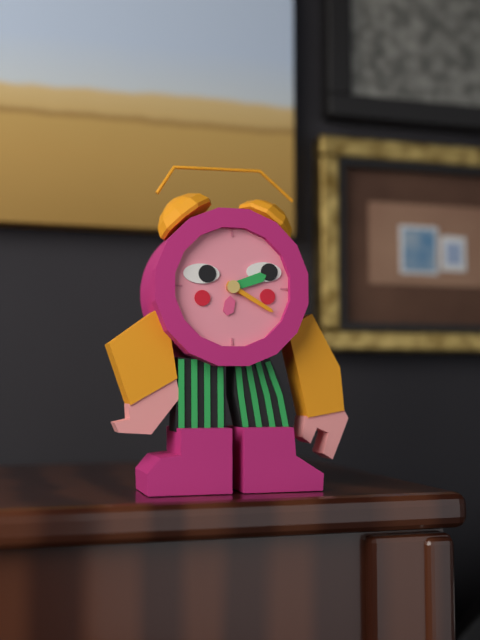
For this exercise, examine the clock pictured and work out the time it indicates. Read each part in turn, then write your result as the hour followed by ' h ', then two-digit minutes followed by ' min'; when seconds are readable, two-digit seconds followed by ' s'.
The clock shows 2 h 20 min
